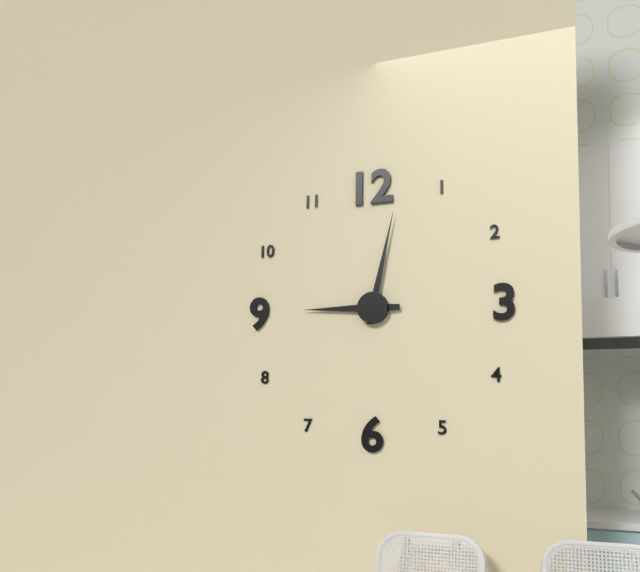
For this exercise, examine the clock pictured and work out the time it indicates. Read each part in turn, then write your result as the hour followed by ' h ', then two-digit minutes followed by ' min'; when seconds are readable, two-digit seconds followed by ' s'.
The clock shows 9 h 02 min
